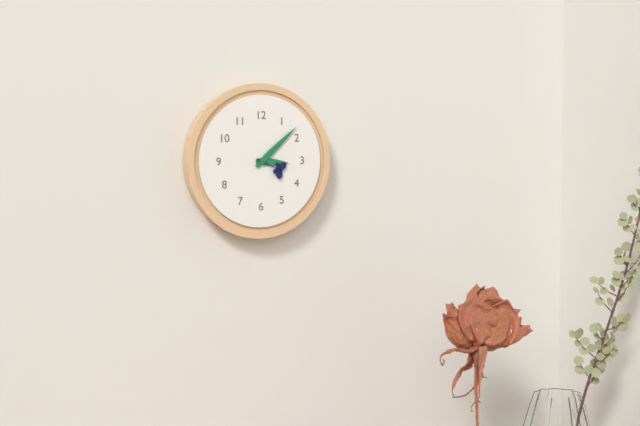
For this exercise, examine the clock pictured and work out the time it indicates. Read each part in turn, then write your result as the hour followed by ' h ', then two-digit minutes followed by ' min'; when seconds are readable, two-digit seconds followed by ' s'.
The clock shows 3 h 08 min
